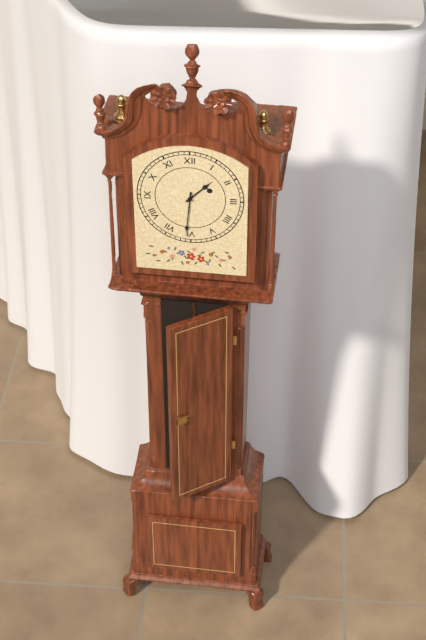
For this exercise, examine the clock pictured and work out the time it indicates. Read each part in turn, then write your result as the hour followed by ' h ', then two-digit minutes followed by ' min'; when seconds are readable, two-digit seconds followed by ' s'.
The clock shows 1 h 31 min
